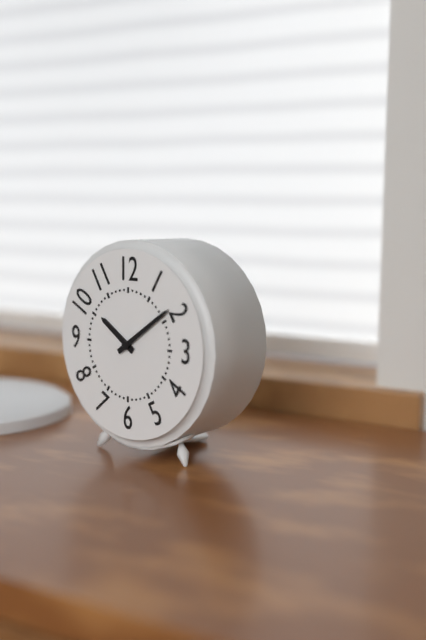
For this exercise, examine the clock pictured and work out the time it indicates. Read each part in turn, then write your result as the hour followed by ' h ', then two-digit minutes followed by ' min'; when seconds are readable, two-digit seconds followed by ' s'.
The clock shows 10 h 09 min
